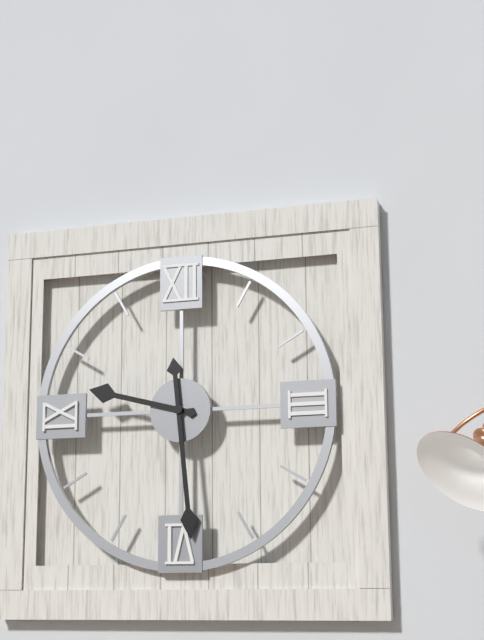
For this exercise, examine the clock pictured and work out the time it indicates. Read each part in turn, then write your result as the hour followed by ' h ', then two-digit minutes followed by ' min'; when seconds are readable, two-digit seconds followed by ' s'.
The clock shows 9 h 29 min
